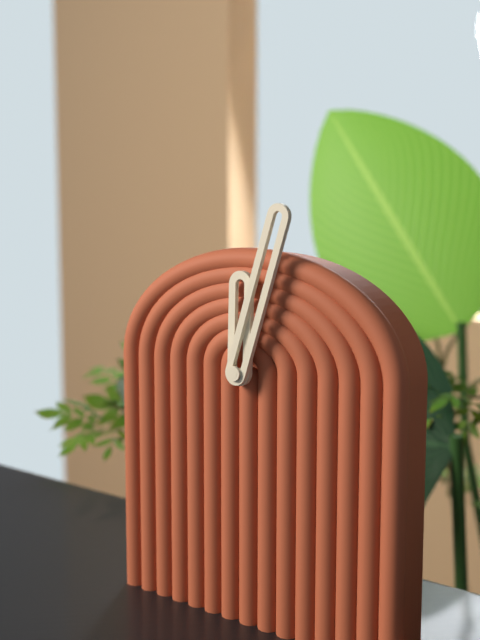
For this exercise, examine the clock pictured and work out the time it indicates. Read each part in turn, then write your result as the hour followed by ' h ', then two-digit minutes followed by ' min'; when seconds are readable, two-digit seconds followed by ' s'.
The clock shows 12 h 03 min
